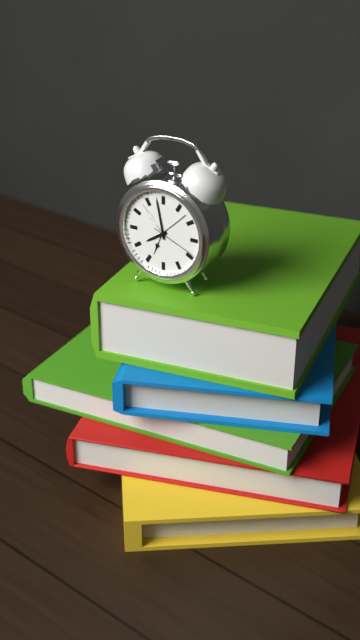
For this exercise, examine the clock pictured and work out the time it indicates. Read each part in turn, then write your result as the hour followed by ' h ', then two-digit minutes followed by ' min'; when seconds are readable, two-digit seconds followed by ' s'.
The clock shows 7 h 58 min 19 s
